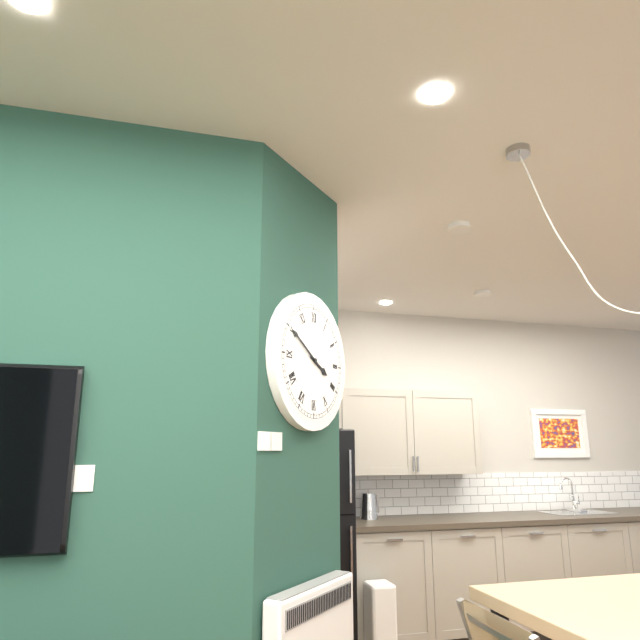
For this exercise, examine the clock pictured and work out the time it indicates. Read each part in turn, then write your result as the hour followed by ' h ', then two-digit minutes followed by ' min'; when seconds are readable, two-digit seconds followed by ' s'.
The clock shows 3 h 50 min
